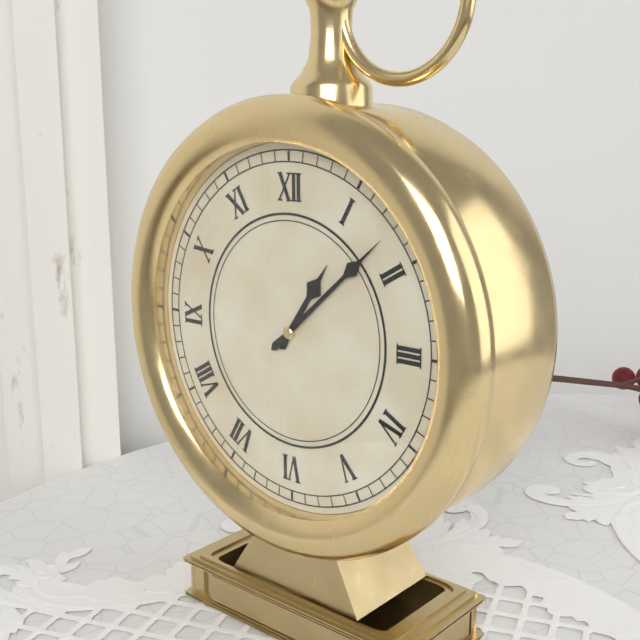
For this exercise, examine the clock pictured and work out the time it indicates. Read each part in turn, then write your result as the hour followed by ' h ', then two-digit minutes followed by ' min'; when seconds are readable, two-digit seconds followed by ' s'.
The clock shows 1 h 08 min
